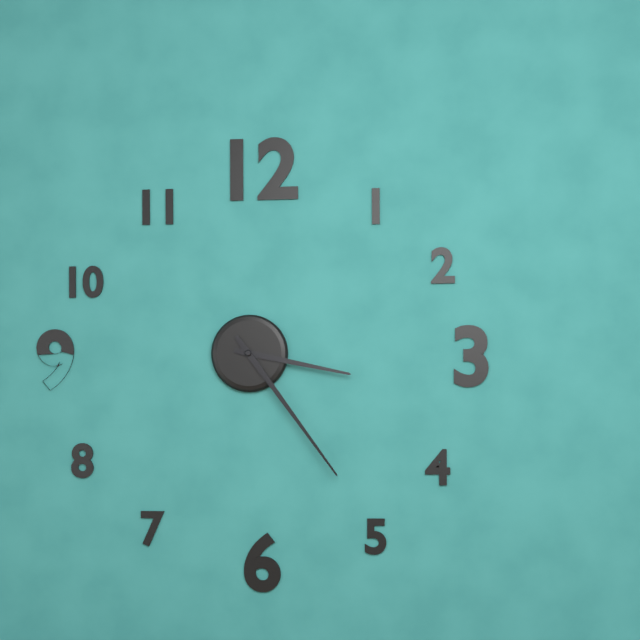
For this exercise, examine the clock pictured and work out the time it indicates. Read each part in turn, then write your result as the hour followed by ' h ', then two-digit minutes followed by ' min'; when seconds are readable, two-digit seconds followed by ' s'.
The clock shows 3 h 24 min
